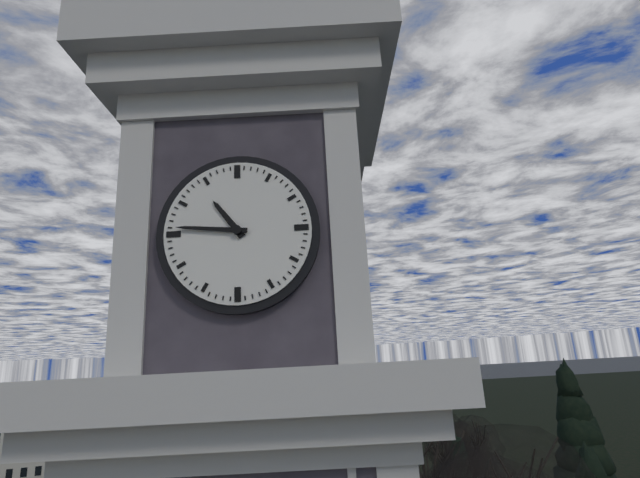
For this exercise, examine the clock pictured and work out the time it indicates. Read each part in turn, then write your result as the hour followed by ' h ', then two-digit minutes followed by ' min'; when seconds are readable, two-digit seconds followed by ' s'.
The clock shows 10 h 46 min
